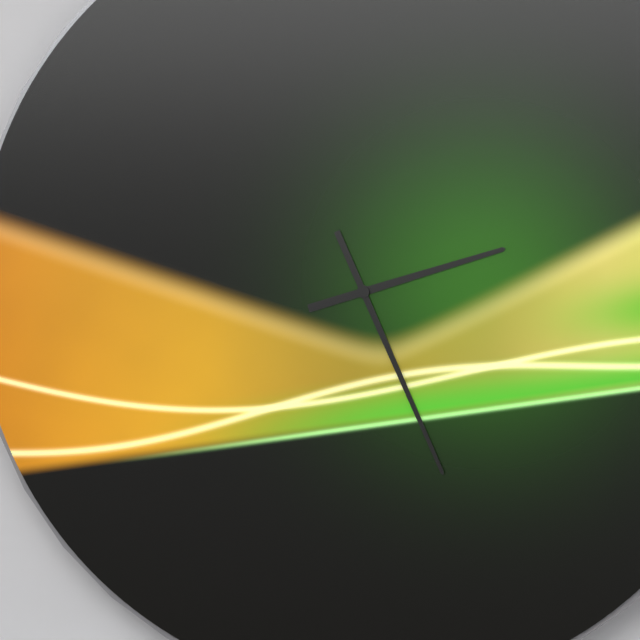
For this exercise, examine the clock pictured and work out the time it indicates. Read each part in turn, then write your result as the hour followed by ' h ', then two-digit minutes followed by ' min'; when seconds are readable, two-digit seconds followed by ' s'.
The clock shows 2 h 26 min
